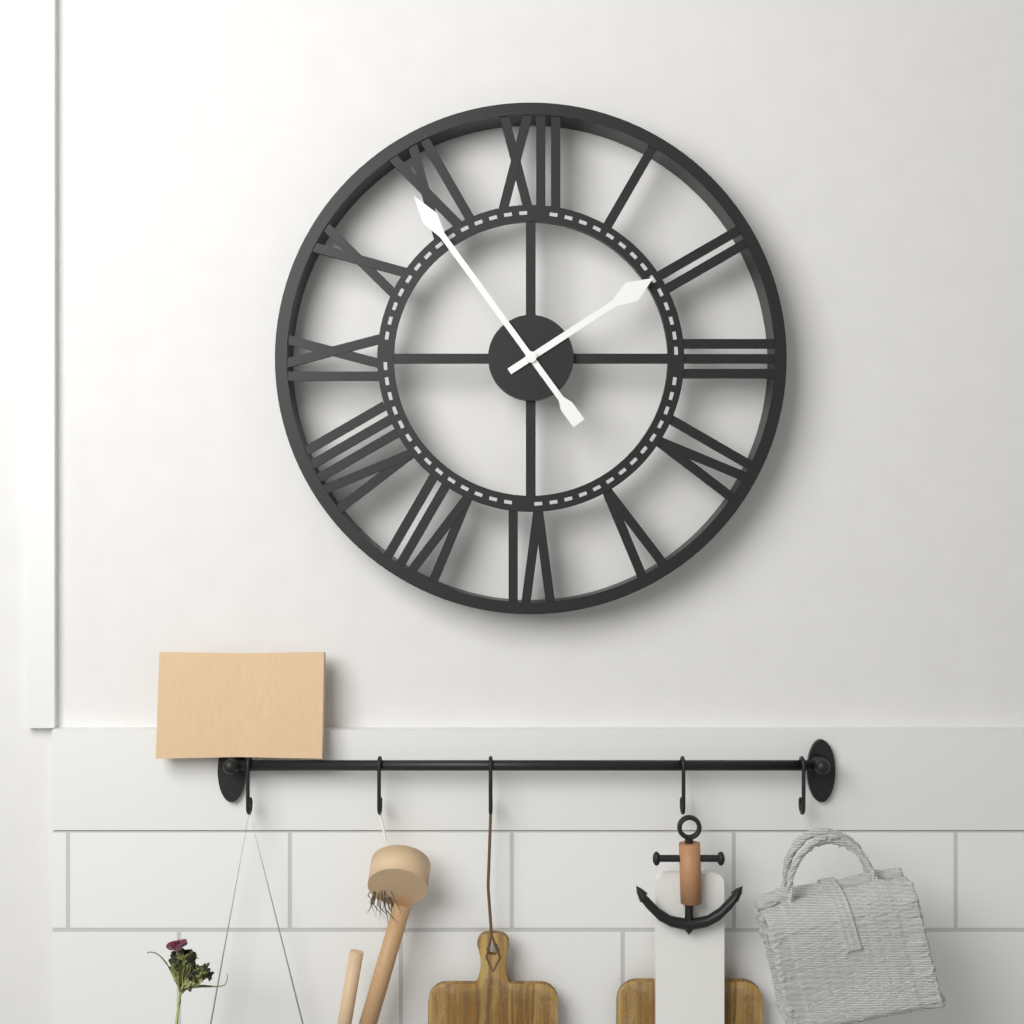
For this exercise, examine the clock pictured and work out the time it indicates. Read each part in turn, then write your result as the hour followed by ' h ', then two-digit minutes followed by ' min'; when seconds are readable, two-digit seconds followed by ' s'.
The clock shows 1 h 54 min
